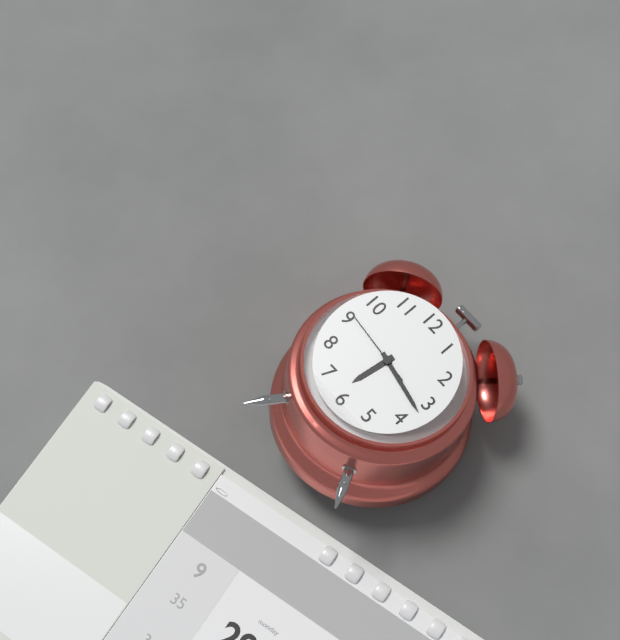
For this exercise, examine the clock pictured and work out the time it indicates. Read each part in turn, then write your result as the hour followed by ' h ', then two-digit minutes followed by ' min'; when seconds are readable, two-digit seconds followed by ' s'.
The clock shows 6 h 17 min 46 s
